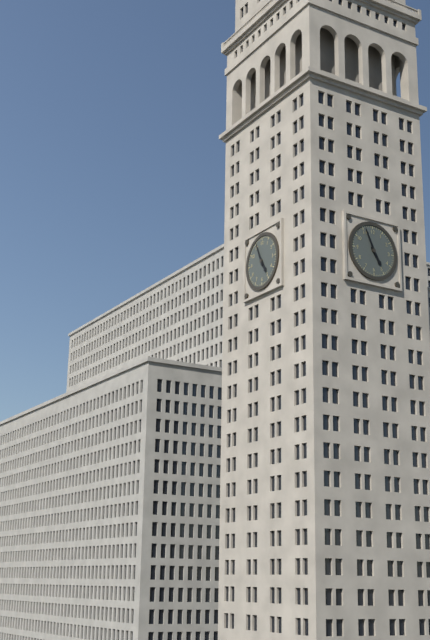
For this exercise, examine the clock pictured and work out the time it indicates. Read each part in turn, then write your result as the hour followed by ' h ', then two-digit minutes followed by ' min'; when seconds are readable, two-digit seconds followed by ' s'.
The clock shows 4 h 56 min
